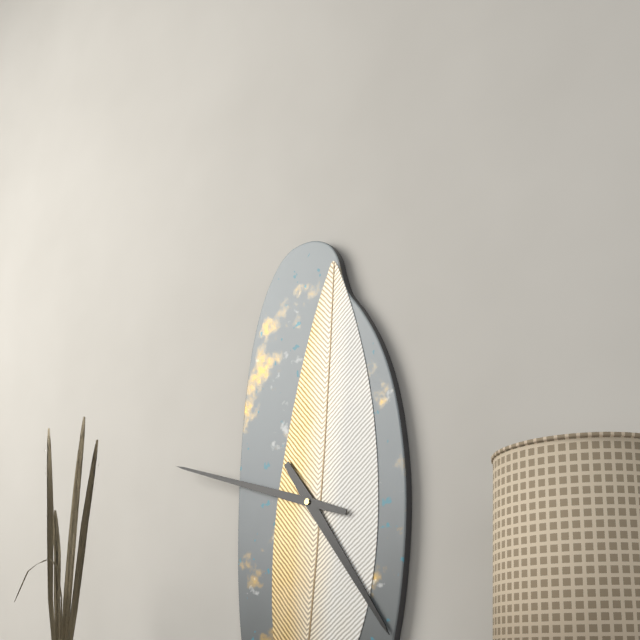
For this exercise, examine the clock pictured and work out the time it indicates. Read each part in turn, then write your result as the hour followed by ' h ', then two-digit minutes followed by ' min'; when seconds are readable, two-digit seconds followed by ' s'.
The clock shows 4 h 48 min
